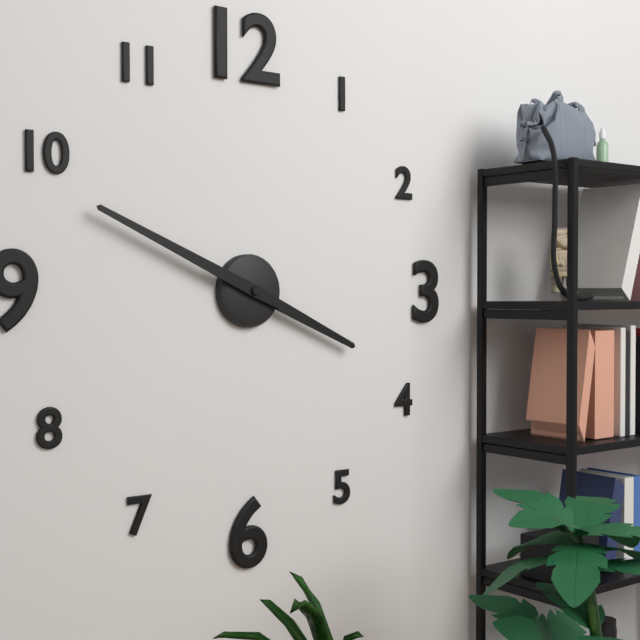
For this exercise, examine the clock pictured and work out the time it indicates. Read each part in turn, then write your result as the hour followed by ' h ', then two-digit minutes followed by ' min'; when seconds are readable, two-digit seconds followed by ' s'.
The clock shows 3 h 49 min
